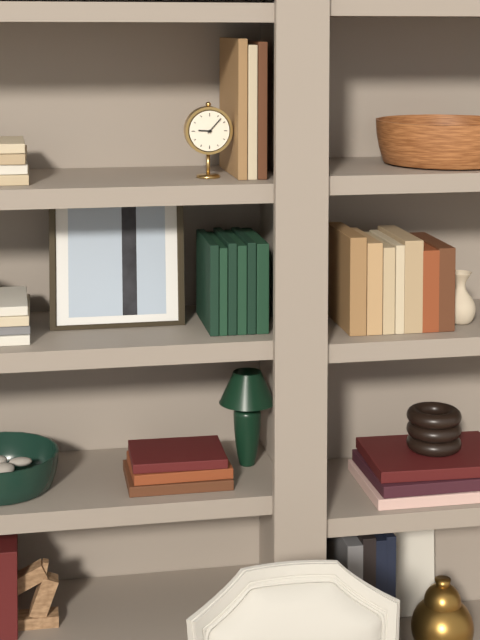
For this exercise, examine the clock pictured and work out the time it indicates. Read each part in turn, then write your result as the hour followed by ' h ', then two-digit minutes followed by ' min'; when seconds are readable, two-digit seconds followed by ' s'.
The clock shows 9 h 07 min
